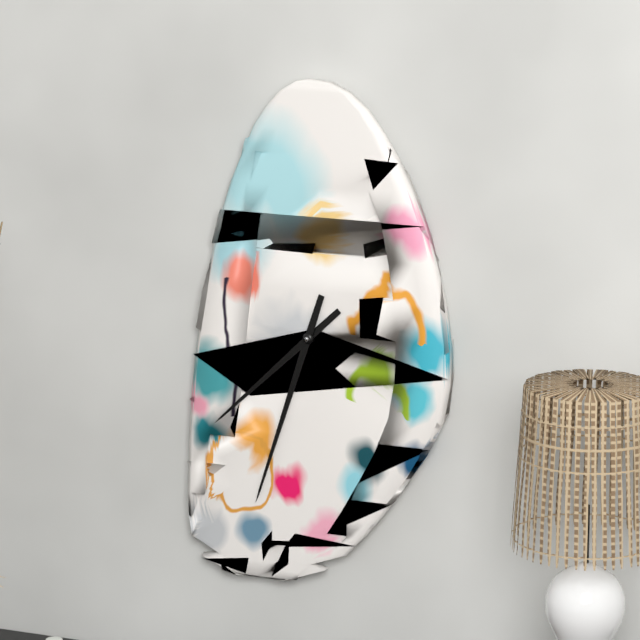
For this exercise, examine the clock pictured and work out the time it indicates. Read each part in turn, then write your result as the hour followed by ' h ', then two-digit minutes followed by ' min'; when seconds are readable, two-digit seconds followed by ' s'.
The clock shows 7 h 33 min
